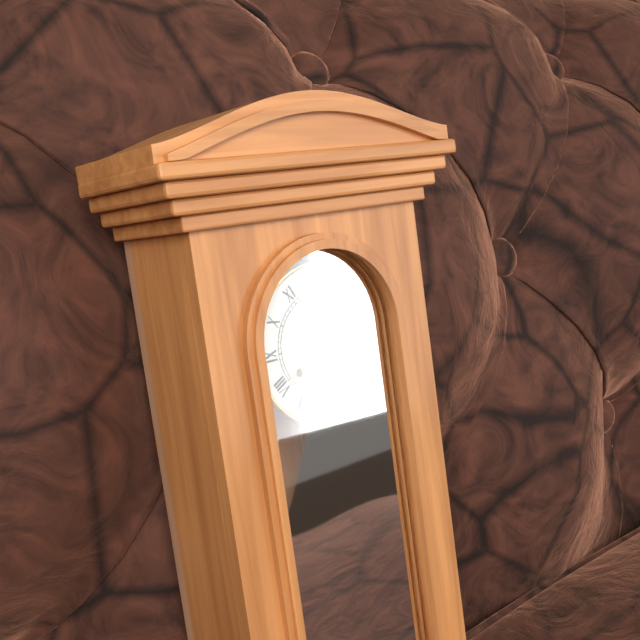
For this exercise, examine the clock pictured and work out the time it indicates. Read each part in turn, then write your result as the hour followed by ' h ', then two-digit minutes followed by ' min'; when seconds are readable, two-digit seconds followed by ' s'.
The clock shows 12 h 05 min
